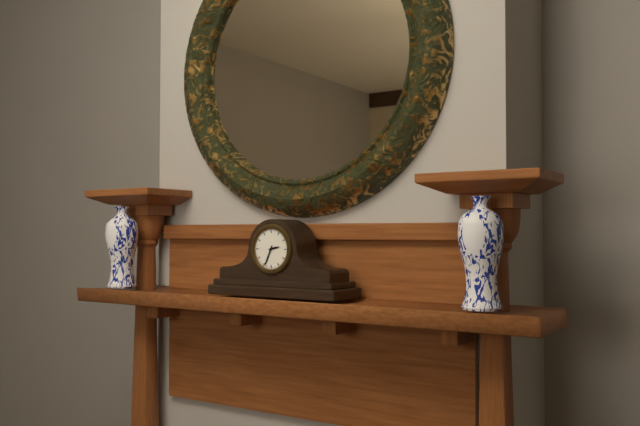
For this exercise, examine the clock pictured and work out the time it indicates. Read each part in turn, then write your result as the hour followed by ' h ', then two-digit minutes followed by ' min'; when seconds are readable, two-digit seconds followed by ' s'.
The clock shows 2 h 34 min
